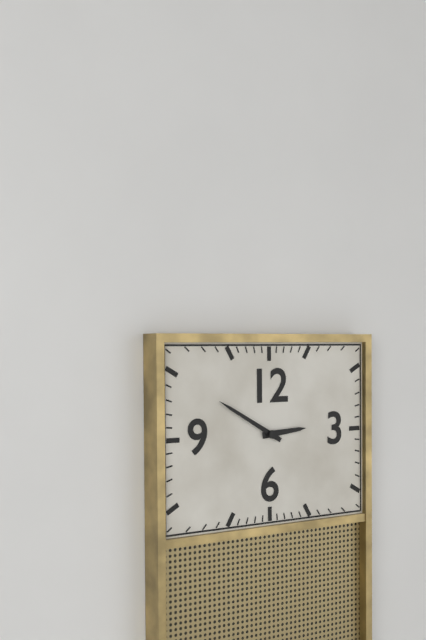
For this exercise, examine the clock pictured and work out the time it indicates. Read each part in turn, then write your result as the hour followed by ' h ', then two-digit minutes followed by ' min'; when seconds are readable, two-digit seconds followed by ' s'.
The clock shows 2 h 50 min
